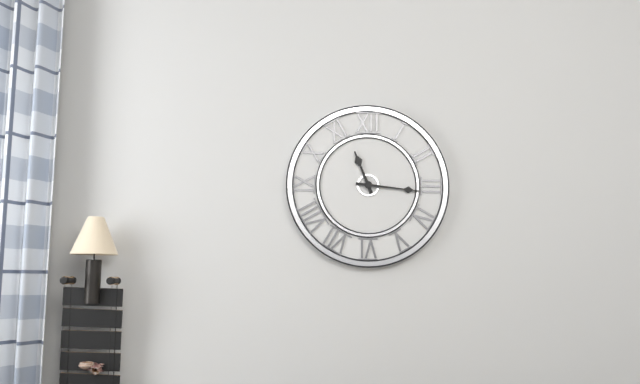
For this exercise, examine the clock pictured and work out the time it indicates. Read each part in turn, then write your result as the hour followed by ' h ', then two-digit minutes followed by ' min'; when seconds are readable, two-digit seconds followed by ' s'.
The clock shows 11 h 16 min
